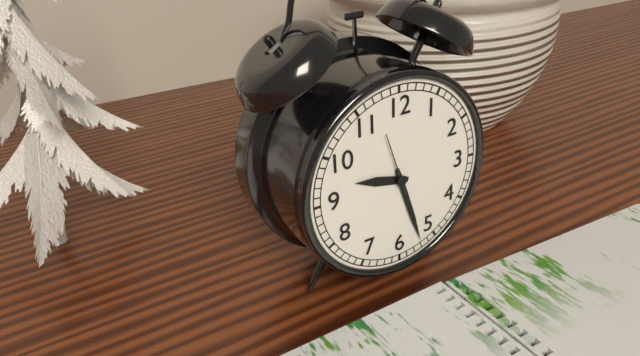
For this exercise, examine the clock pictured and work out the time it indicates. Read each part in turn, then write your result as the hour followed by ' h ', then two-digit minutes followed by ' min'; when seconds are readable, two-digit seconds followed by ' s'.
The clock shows 9 h 27 min 57 s
